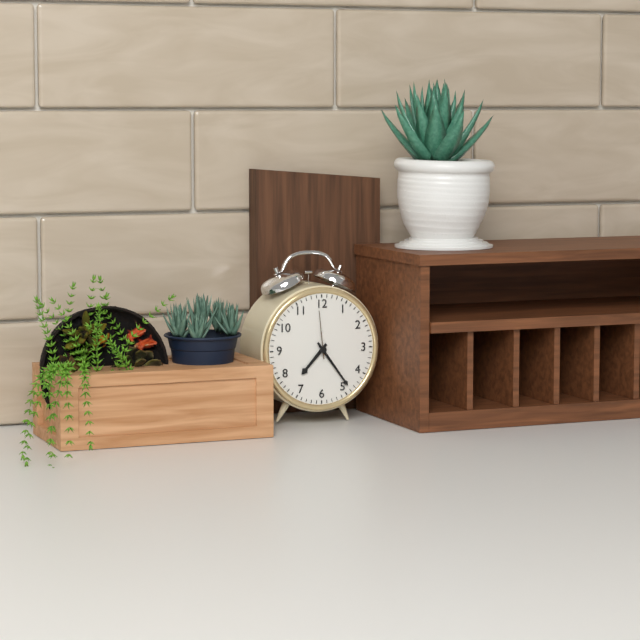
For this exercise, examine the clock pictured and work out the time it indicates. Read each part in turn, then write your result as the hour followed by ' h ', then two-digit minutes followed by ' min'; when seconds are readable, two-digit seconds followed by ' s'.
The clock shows 7 h 24 min
